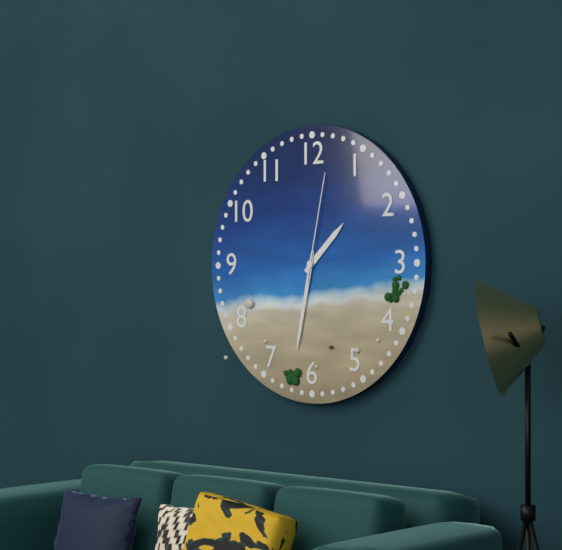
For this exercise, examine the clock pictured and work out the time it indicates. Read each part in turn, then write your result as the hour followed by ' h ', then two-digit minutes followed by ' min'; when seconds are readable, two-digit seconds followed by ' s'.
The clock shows 1 h 32 min 02 s
